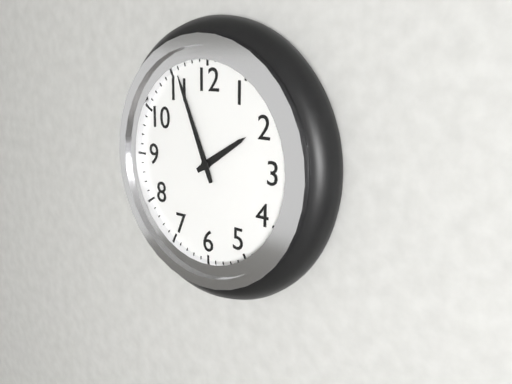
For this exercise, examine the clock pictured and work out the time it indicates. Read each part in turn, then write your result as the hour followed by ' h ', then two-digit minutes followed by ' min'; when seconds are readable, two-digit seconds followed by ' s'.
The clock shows 1 h 56 min
